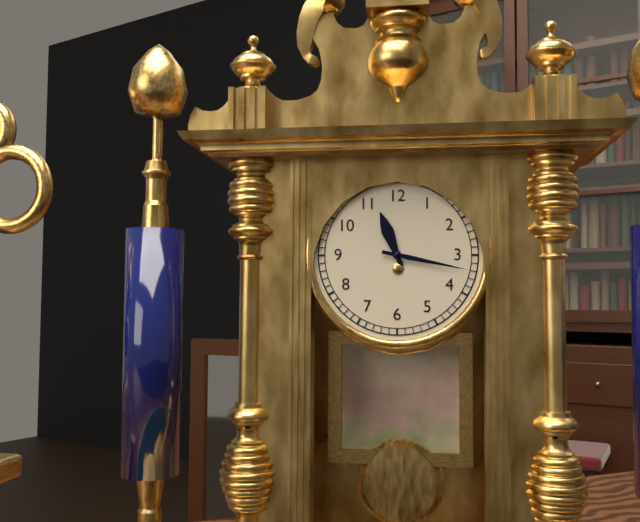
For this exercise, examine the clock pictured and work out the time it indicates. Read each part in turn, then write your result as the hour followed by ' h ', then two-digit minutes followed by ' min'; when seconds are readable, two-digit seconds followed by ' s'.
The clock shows 11 h 17 min
